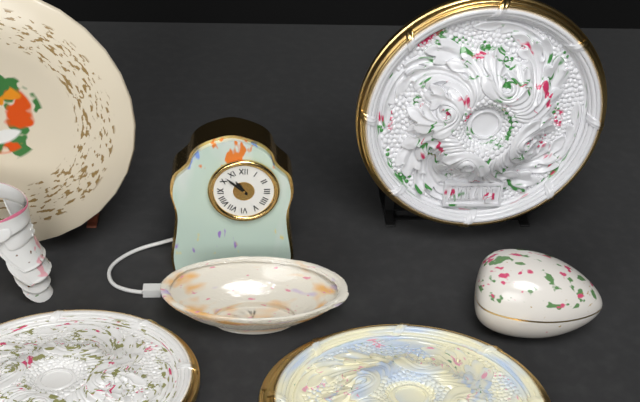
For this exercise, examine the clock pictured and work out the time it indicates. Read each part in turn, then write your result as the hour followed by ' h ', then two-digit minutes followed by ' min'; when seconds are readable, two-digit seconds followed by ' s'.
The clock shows 10 h 52 min
